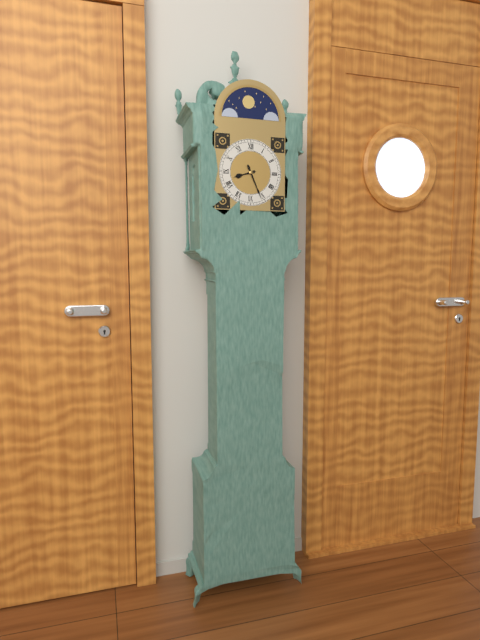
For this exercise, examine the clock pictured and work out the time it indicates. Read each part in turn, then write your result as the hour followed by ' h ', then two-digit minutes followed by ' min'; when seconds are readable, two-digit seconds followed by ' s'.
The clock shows 8 h 26 min
